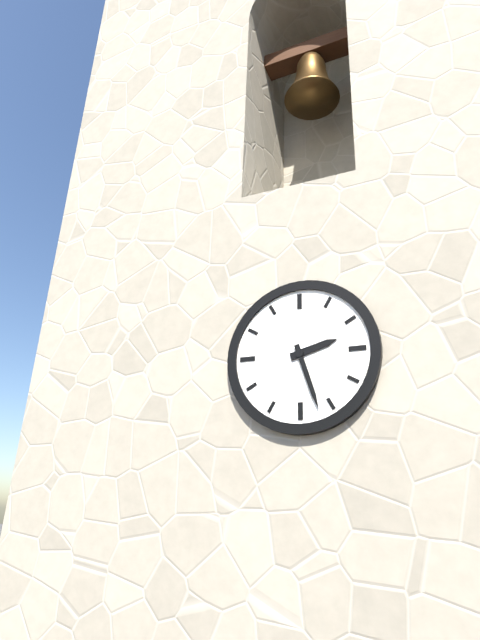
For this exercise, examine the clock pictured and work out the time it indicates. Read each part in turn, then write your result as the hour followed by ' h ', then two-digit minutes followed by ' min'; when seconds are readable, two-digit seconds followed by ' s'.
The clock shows 2 h 27 min
